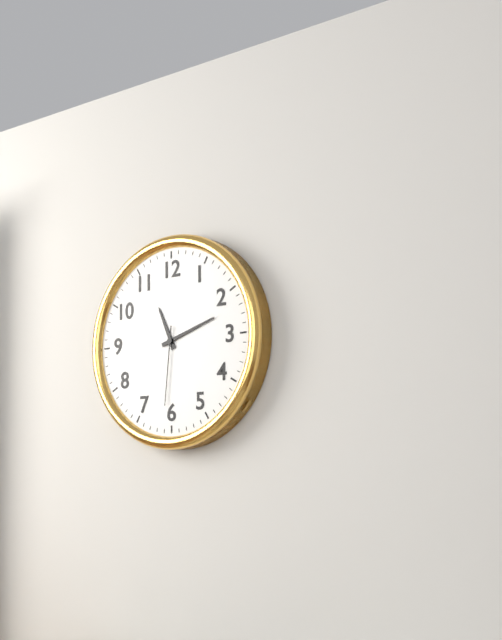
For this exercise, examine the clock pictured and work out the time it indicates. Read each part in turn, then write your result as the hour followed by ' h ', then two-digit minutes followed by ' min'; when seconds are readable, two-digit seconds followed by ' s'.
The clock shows 11 h 12 min 31 s
